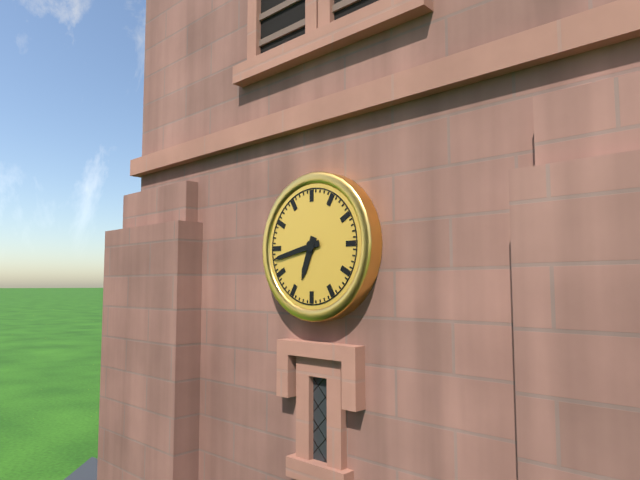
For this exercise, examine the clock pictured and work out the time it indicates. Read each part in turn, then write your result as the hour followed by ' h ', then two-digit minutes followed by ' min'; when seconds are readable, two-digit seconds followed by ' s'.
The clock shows 6 h 43 min
